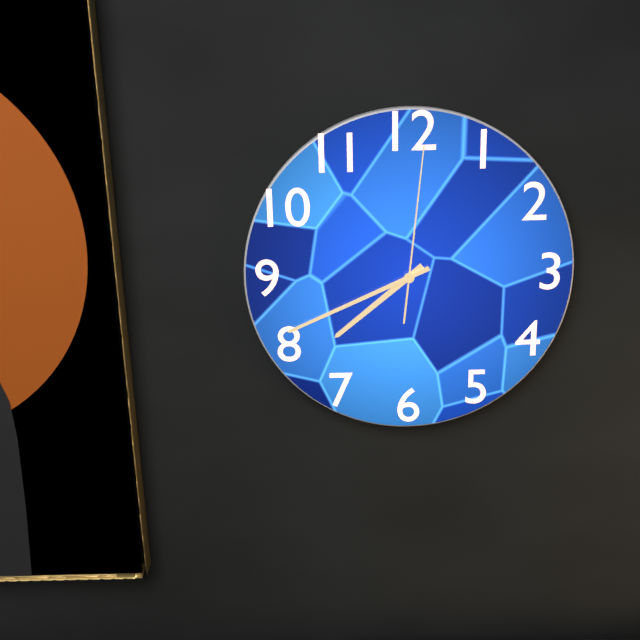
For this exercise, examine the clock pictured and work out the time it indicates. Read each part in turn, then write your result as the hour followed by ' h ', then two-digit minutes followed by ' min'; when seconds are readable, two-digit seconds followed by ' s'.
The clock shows 7 h 41 min 01 s
